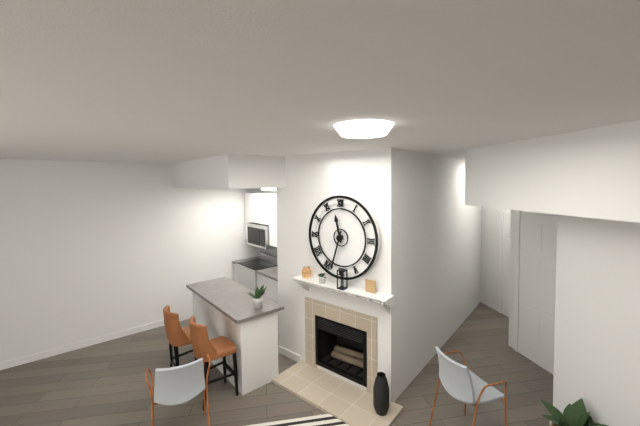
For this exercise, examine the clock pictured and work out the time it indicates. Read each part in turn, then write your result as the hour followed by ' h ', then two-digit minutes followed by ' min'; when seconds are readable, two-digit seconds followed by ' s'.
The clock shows 11 h 33 min
